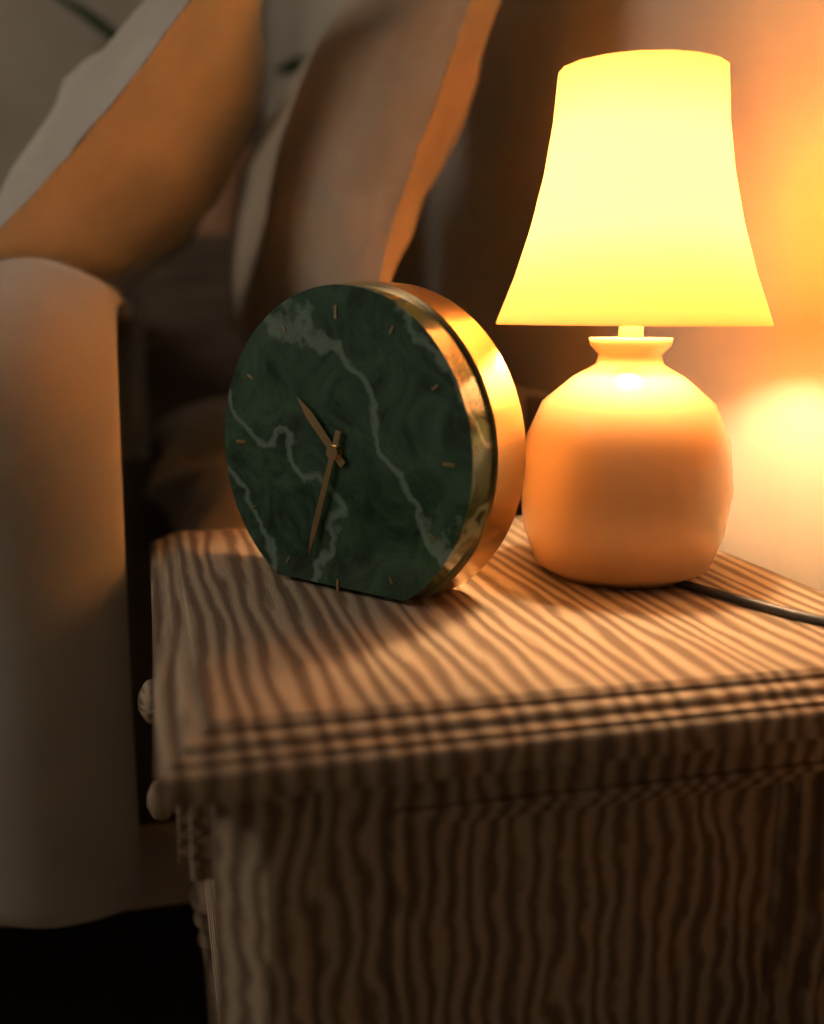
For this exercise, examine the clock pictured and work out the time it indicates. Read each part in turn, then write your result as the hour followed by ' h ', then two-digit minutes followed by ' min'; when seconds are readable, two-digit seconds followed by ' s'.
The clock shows 10 h 33 min
